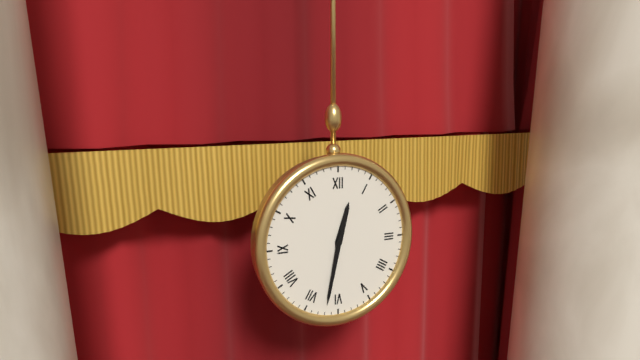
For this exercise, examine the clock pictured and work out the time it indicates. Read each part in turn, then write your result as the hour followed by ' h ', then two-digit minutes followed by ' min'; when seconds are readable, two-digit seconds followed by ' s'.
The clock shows 12 h 32 min
